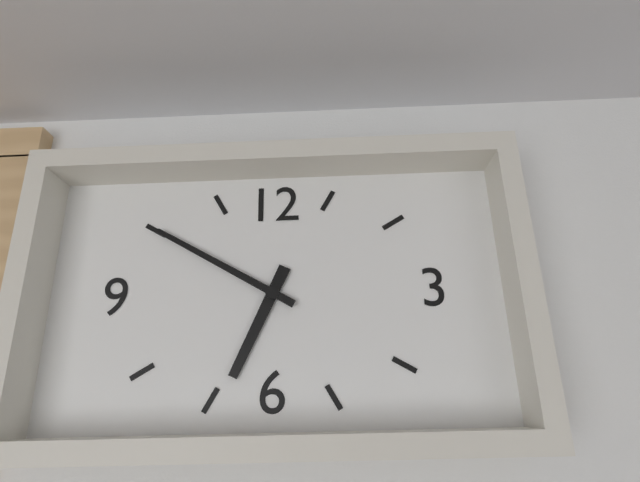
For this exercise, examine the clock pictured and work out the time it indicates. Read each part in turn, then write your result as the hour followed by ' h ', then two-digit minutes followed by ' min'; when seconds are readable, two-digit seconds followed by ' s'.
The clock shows 6 h 50 min
